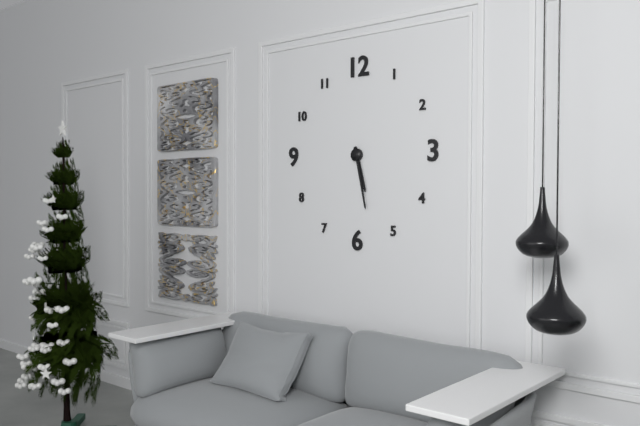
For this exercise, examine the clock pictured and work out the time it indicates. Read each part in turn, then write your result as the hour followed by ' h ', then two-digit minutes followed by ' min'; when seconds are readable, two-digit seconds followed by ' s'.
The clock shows 5 h 28 min
